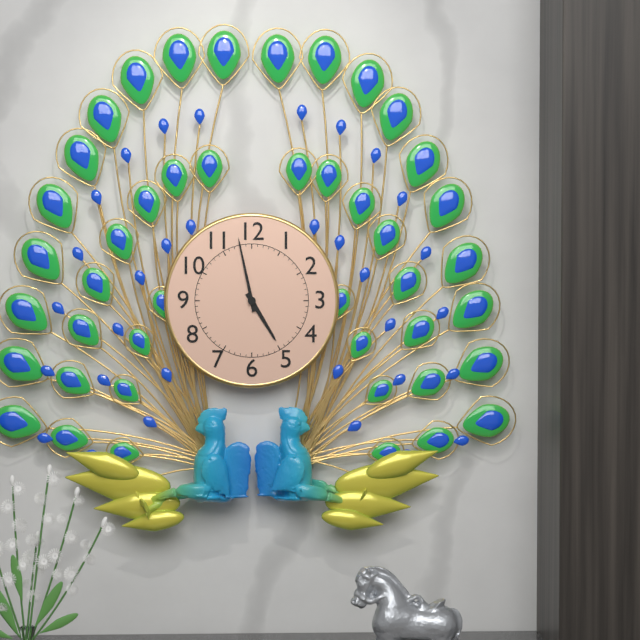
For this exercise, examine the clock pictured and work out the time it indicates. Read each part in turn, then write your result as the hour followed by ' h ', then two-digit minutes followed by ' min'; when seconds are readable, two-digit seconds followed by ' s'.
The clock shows 4 h 58 min
